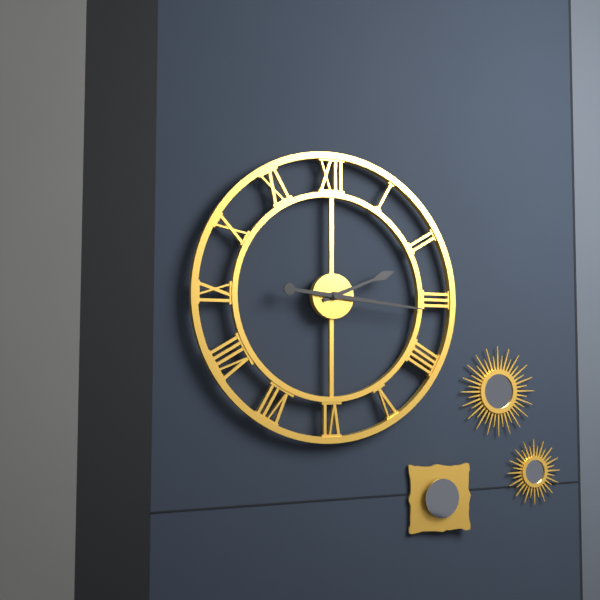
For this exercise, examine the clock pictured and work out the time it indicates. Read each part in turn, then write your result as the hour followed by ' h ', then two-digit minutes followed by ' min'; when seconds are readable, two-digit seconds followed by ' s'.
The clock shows 2 h 16 min
